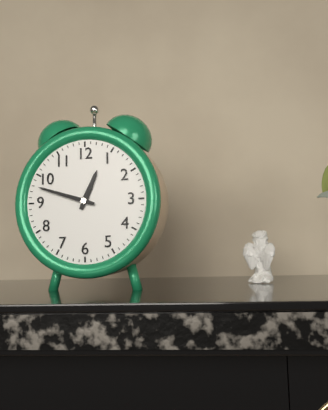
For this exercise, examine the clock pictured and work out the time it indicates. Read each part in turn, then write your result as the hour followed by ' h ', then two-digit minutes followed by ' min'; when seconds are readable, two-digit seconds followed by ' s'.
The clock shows 12 h 48 min
